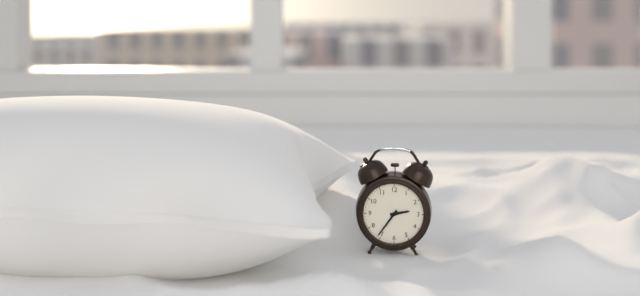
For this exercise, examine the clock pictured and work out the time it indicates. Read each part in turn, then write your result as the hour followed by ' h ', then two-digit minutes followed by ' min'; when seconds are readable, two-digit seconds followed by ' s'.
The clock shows 2 h 36 min
